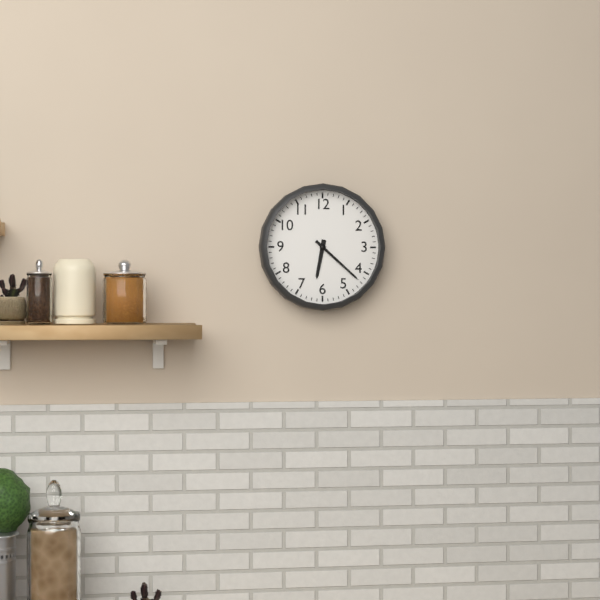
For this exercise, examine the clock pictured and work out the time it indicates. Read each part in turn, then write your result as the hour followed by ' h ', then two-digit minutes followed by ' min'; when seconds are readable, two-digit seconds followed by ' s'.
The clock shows 6 h 22 min
